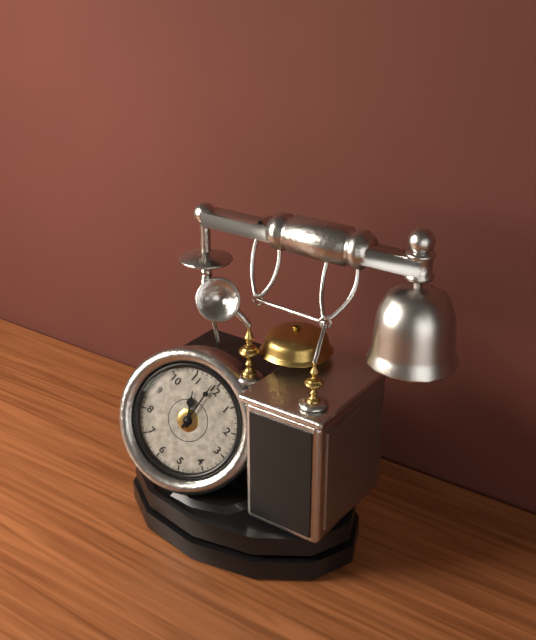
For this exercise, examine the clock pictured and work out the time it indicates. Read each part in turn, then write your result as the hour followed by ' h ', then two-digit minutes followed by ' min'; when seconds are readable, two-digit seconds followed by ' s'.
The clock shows 10 h 59 min
